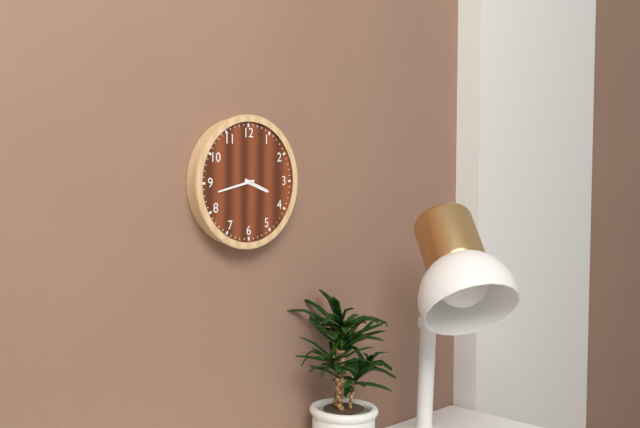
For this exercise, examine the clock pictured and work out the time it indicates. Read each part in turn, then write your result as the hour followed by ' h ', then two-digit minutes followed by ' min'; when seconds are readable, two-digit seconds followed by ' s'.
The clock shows 3 h 43 min
